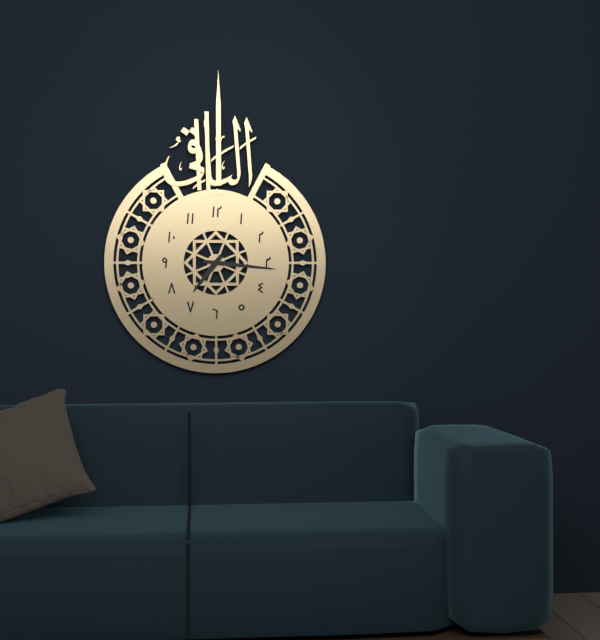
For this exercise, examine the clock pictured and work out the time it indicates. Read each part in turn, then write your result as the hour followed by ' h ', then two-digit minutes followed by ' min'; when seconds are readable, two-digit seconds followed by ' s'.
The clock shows 7 h 16 min
